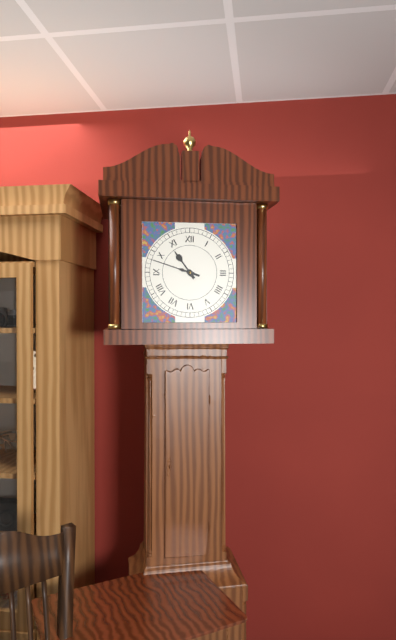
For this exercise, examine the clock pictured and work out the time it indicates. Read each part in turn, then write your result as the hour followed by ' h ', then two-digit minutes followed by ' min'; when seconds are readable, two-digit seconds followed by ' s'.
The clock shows 10 h 48 min
